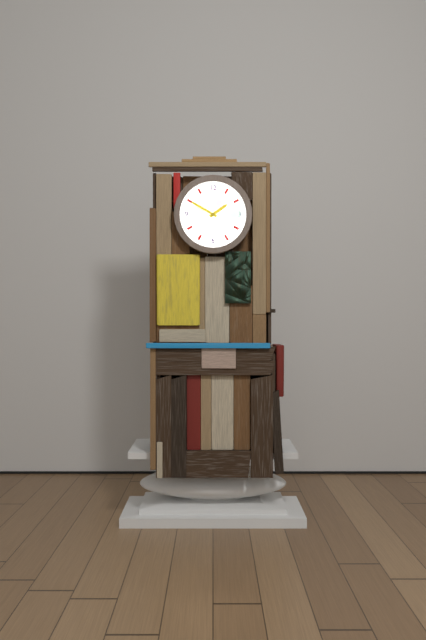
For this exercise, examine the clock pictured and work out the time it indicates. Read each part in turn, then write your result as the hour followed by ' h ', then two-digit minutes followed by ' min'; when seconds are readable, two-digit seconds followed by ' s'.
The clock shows 1 h 50 min
